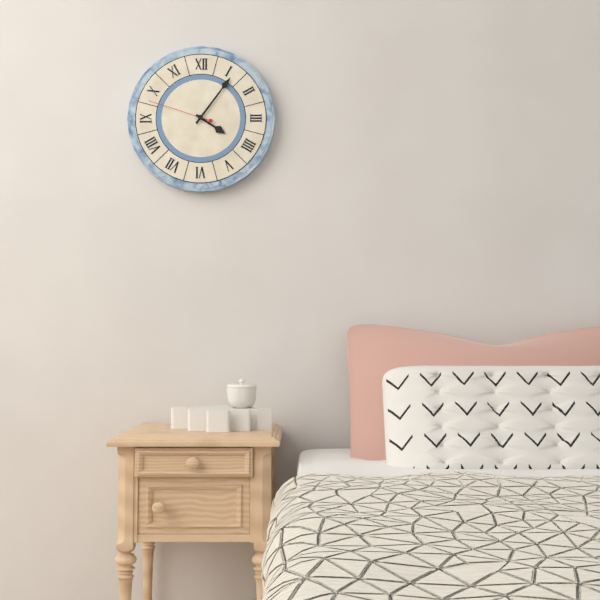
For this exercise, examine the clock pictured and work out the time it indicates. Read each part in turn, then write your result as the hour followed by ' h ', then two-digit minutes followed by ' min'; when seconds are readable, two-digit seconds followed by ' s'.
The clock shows 4 h 06 min 48 s
